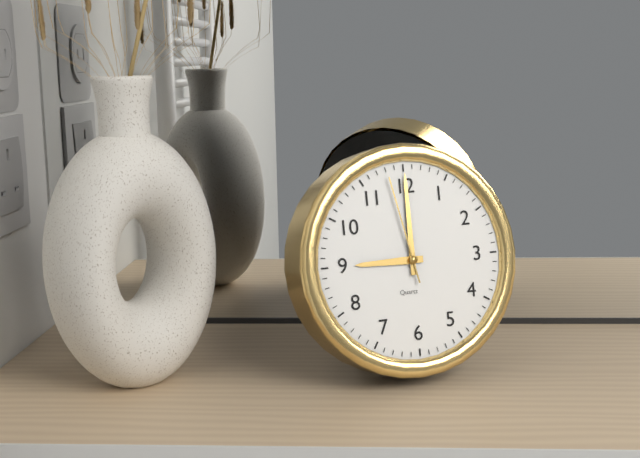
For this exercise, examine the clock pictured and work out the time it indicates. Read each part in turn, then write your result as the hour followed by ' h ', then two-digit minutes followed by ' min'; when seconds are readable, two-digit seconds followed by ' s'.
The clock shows 9 h 00 min 58 s
